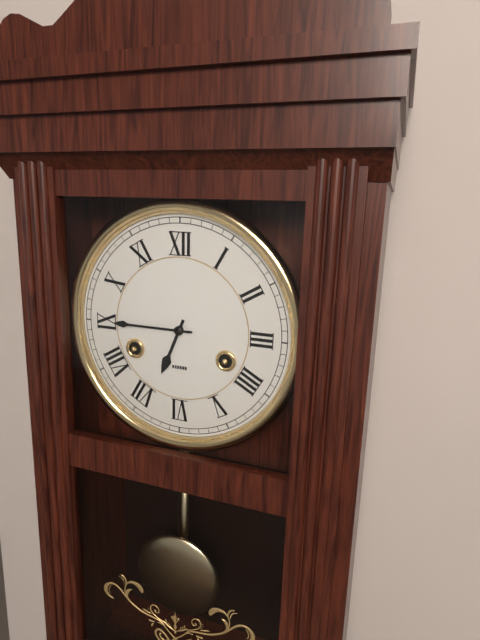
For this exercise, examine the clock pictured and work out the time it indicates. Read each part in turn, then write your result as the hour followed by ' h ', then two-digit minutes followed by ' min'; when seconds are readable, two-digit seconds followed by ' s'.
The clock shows 6 h 45 min
